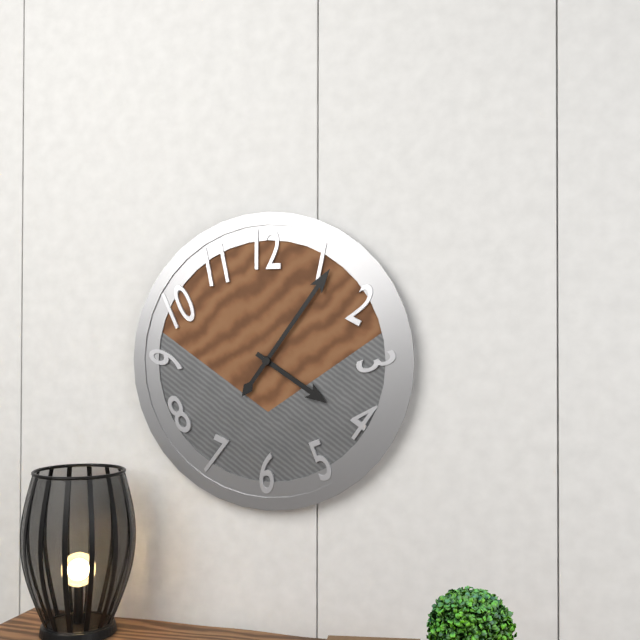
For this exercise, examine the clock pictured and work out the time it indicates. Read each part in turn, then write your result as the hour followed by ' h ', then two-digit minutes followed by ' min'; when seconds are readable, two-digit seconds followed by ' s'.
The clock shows 4 h 06 min
